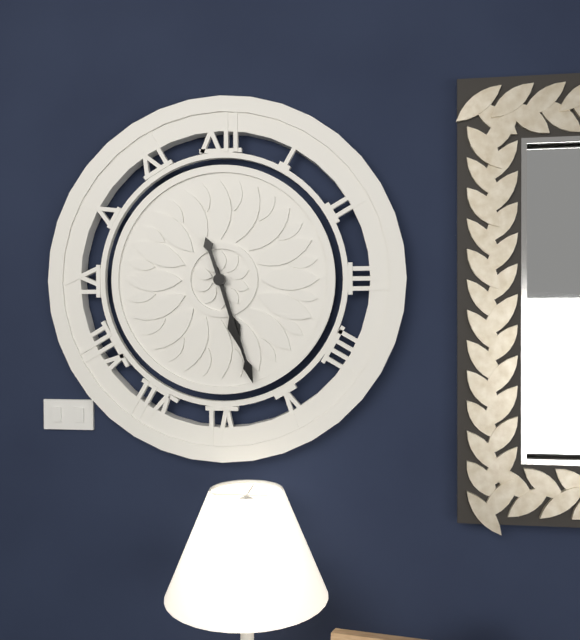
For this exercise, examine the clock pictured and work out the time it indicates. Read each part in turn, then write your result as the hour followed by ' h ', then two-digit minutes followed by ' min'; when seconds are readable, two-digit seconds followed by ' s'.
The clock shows 5 h 27 min
